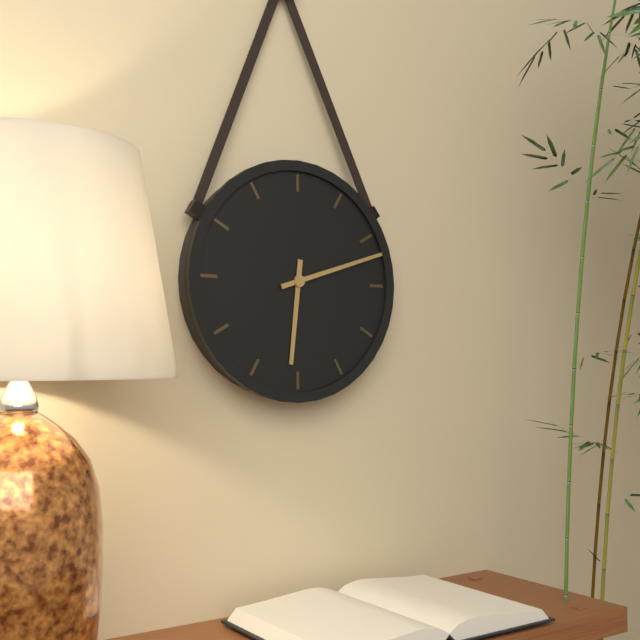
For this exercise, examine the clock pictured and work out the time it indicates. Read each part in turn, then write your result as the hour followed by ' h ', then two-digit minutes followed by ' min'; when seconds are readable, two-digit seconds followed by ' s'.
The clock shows 6 h 12 min
